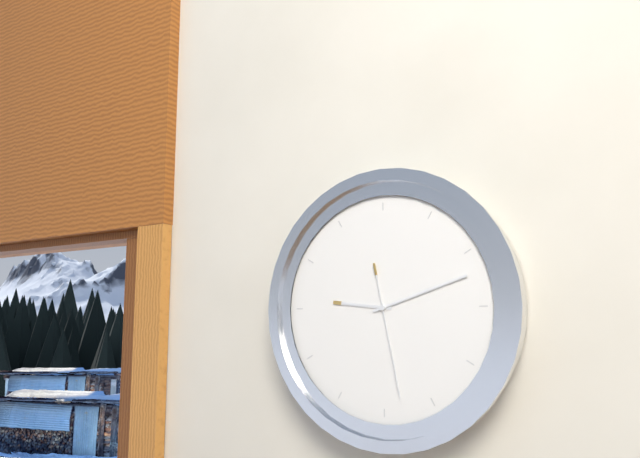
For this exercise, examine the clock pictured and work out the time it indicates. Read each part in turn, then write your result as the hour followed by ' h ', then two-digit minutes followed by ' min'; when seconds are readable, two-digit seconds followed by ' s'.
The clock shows 9 h 12 min 28 s
